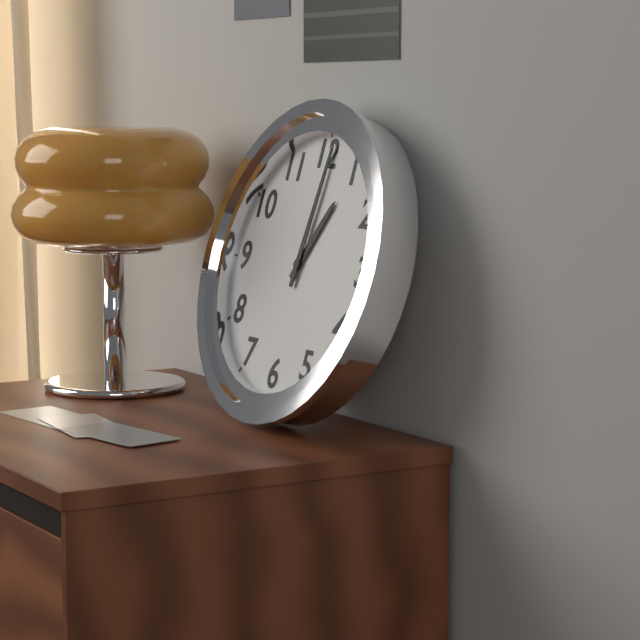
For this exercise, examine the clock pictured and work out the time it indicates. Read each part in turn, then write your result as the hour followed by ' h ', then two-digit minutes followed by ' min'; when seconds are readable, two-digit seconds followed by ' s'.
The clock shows 1 h 01 min
